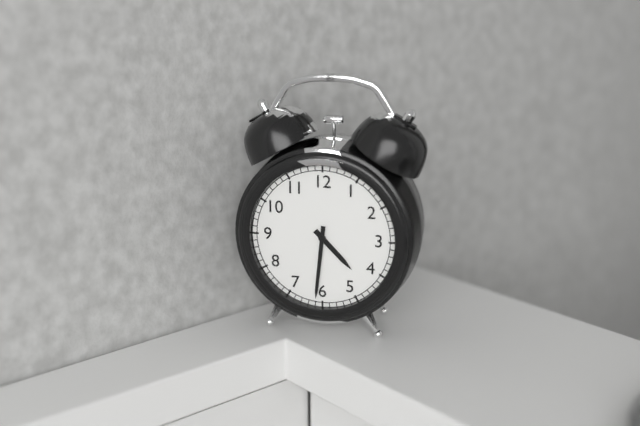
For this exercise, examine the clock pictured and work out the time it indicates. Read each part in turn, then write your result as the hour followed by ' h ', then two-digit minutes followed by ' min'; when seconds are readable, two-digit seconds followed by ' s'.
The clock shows 4 h 31 min
